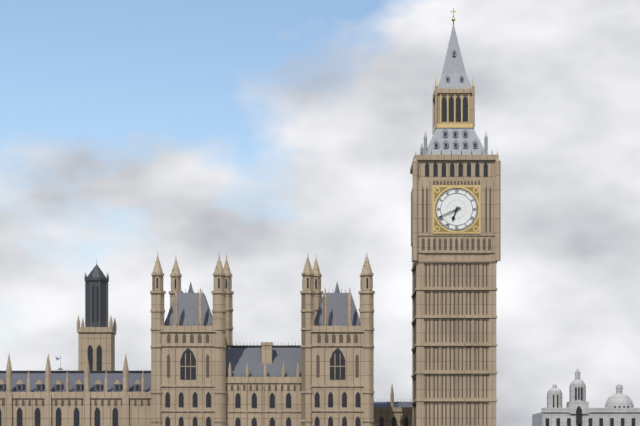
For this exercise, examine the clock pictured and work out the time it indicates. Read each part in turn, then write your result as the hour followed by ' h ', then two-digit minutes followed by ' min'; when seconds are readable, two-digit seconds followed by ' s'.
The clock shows 6 h 41 min
